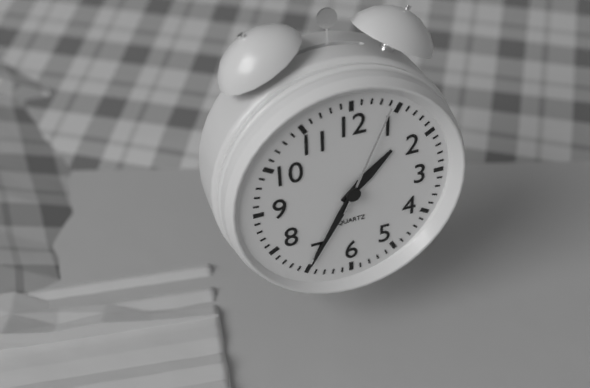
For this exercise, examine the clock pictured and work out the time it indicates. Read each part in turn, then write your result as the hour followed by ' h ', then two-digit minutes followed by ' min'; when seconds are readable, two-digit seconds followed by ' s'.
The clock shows 1 h 35 min 04 s
